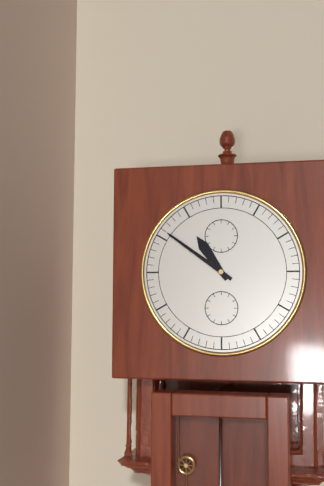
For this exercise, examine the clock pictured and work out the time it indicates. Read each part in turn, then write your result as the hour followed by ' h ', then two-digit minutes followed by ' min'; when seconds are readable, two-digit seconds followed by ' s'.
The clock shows 10 h 51 min
